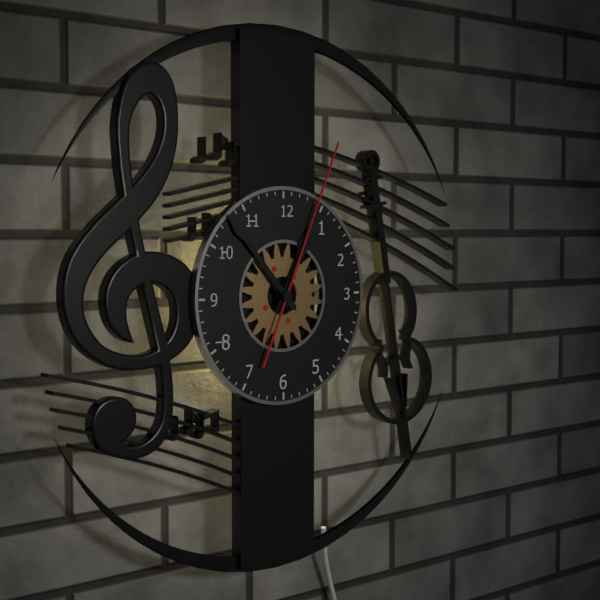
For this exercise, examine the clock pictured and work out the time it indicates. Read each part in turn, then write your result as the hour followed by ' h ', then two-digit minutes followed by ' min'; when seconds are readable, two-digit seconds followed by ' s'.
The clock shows 12 h 53 min 04 s
